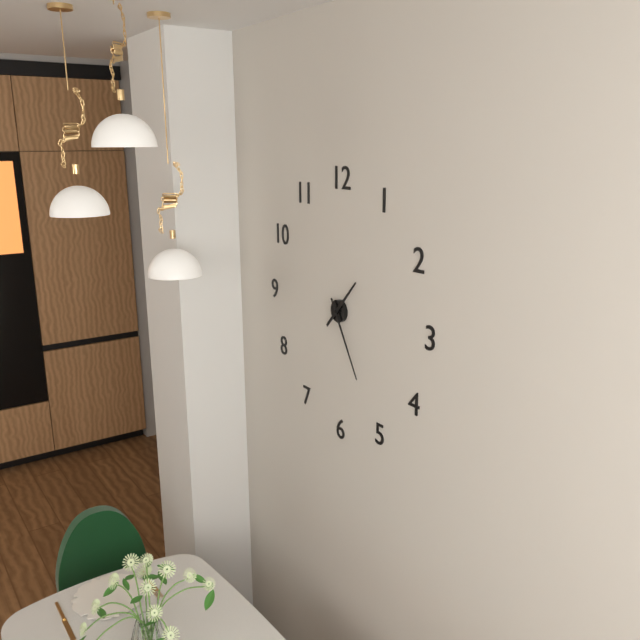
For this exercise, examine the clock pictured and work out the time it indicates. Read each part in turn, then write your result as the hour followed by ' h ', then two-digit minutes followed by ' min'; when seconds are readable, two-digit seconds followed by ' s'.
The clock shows 1 h 25 min
